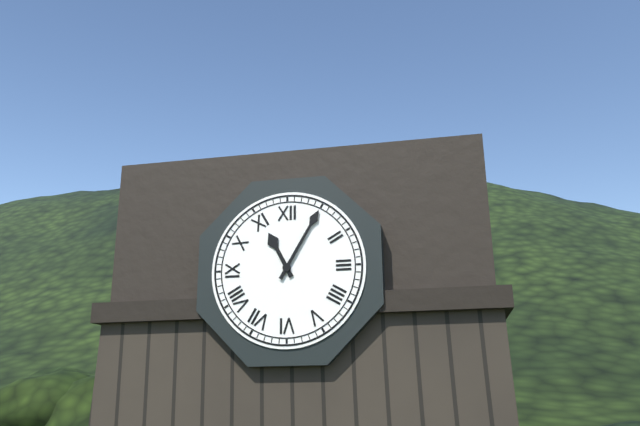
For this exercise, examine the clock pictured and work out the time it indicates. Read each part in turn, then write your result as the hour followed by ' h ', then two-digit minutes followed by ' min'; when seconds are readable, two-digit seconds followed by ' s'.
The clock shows 11 h 05 min
